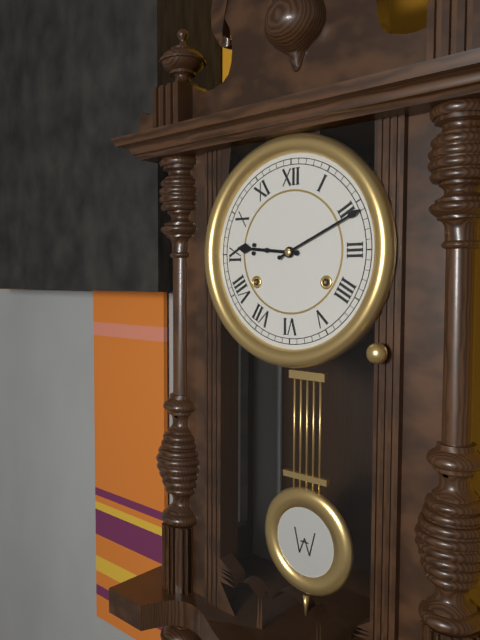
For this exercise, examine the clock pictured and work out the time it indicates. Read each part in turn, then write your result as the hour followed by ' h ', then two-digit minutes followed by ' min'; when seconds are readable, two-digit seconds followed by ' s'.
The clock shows 9 h 11 min
